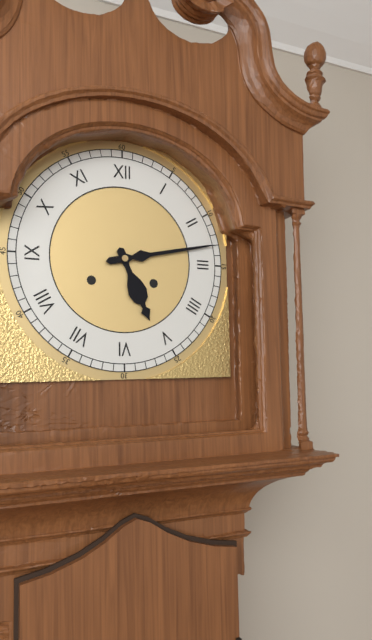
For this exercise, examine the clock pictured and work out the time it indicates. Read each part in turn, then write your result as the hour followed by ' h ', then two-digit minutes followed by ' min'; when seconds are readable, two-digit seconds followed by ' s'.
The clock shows 5 h 13 min
